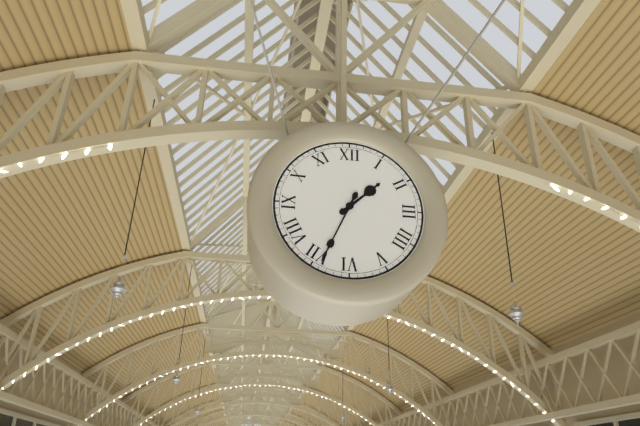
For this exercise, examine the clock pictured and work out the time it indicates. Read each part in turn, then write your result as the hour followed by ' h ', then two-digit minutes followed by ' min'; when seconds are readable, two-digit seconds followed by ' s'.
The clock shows 1 h 34 min
